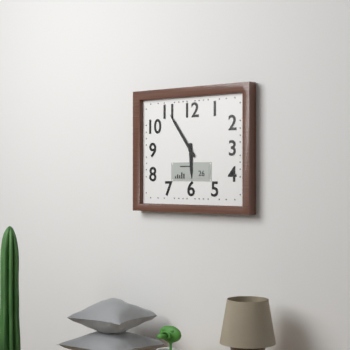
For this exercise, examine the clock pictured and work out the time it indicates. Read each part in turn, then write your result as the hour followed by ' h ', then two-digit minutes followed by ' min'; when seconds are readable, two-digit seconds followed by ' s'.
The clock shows 5 h 54 min
